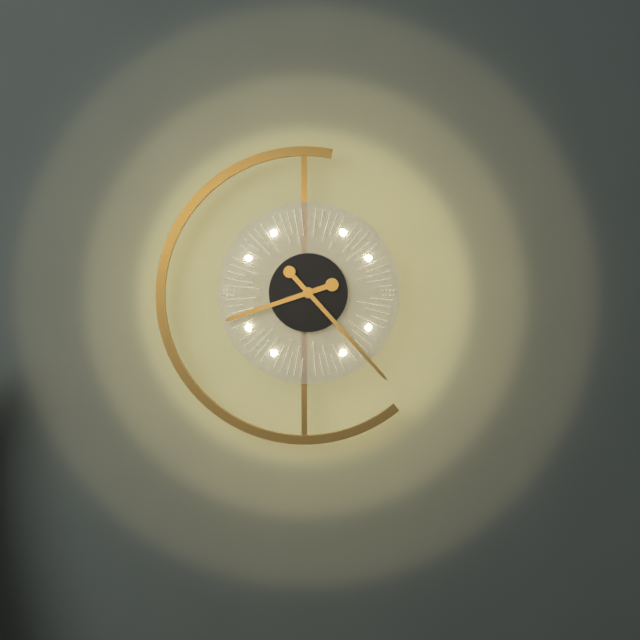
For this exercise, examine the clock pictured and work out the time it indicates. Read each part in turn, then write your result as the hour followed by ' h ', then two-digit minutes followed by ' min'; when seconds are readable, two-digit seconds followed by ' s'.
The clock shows 8 h 23 min
